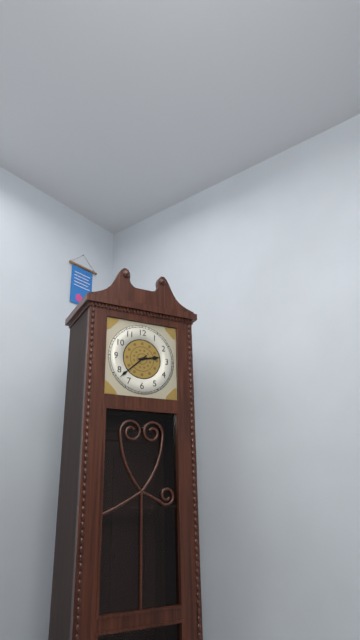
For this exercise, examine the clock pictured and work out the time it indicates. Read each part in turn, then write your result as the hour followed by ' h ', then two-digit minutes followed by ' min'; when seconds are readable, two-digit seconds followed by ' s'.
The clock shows 2 h 38 min
